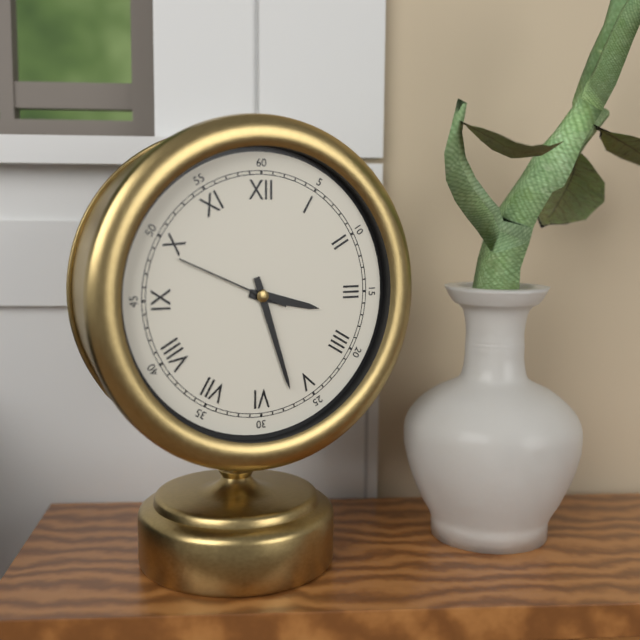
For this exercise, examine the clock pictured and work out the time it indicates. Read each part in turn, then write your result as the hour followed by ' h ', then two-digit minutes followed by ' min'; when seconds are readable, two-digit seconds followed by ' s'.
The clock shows 3 h 27 min 49 s
